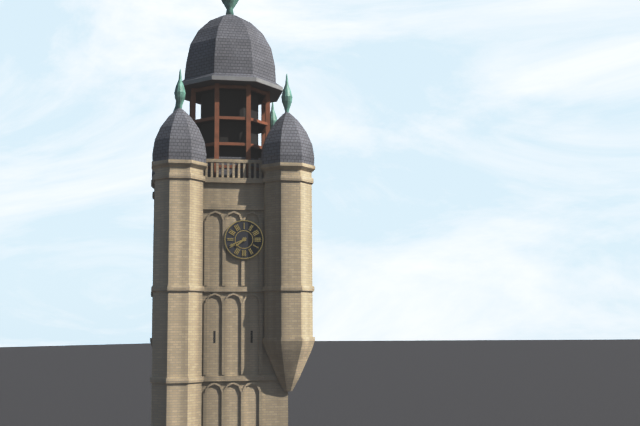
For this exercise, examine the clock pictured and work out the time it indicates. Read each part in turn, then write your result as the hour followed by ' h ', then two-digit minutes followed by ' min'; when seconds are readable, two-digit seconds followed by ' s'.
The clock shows 7 h 41 min
